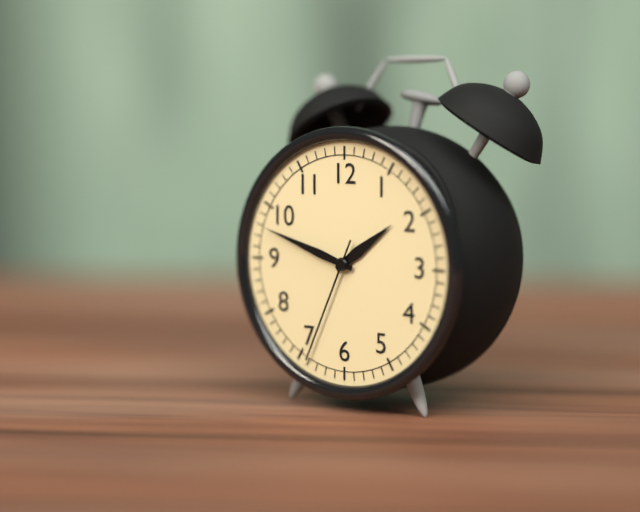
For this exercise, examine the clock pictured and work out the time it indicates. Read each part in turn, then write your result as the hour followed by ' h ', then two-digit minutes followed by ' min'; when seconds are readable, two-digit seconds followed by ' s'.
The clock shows 1 h 48 min 34 s
